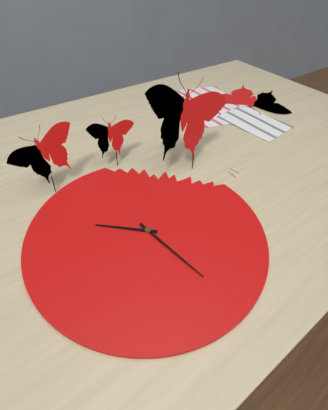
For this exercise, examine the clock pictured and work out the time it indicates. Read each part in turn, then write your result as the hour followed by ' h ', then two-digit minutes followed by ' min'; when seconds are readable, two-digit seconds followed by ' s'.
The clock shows 10 h 29 min
